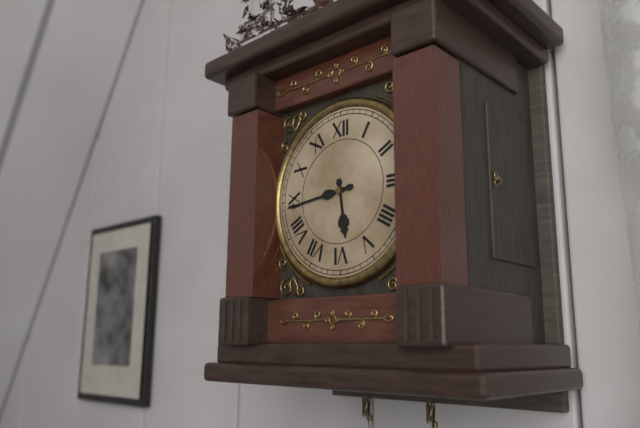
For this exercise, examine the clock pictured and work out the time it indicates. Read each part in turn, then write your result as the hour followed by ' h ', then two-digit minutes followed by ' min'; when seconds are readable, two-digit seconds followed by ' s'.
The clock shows 5 h 44 min
